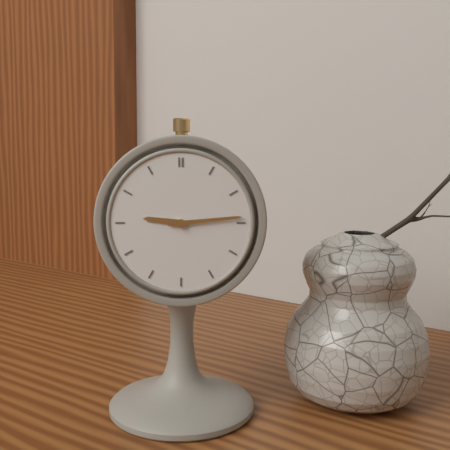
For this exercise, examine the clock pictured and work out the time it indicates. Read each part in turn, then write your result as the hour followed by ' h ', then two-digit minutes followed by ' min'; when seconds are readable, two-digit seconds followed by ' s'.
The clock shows 9 h 14 min
